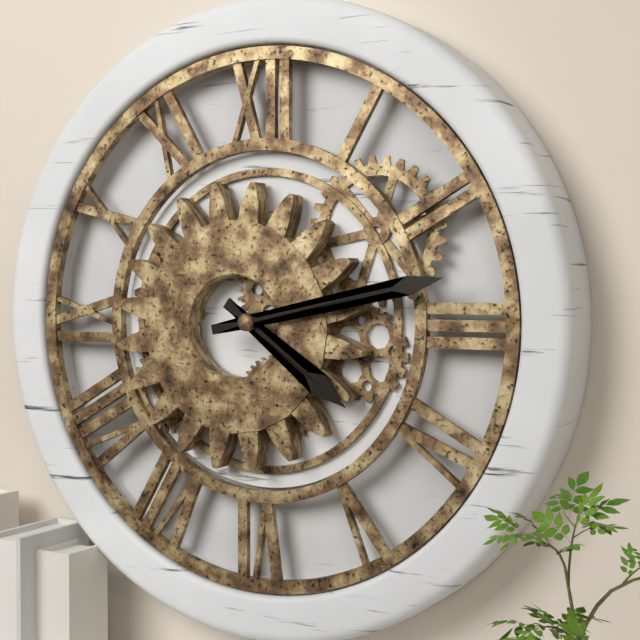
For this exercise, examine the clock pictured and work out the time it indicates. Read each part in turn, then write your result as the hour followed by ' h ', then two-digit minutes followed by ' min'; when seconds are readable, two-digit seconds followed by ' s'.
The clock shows 4 h 13 min
